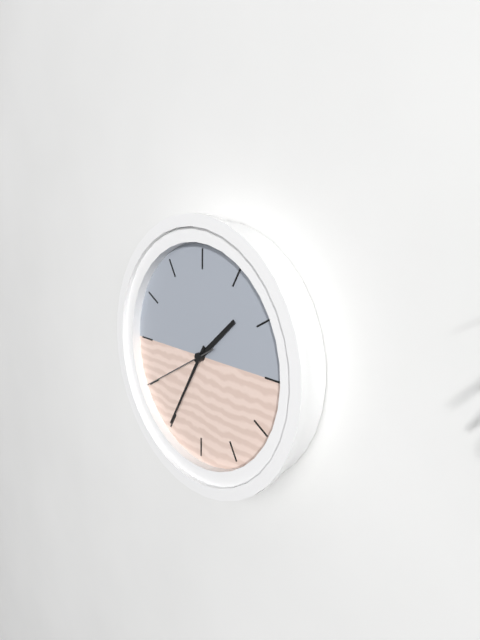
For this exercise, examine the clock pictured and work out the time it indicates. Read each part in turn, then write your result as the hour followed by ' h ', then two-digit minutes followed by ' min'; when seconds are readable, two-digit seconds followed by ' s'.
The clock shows 1 h 35 min 40 s
